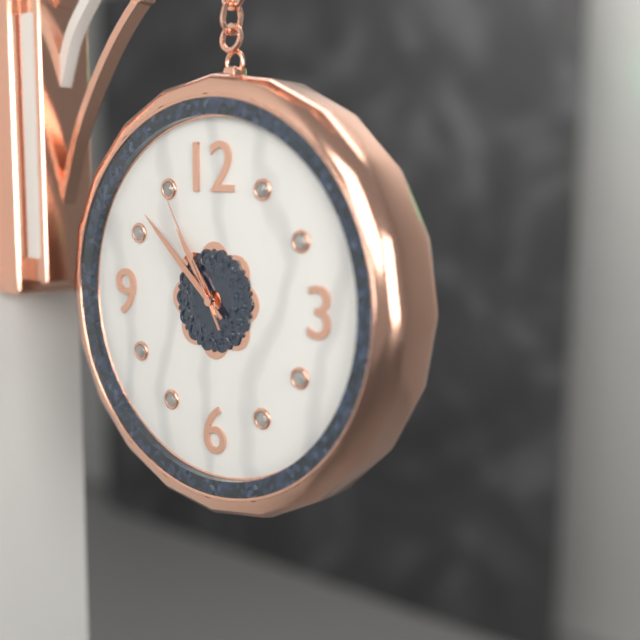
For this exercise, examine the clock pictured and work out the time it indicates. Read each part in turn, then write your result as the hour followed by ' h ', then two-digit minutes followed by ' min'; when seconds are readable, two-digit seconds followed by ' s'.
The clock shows 10 h 52 min 55 s
